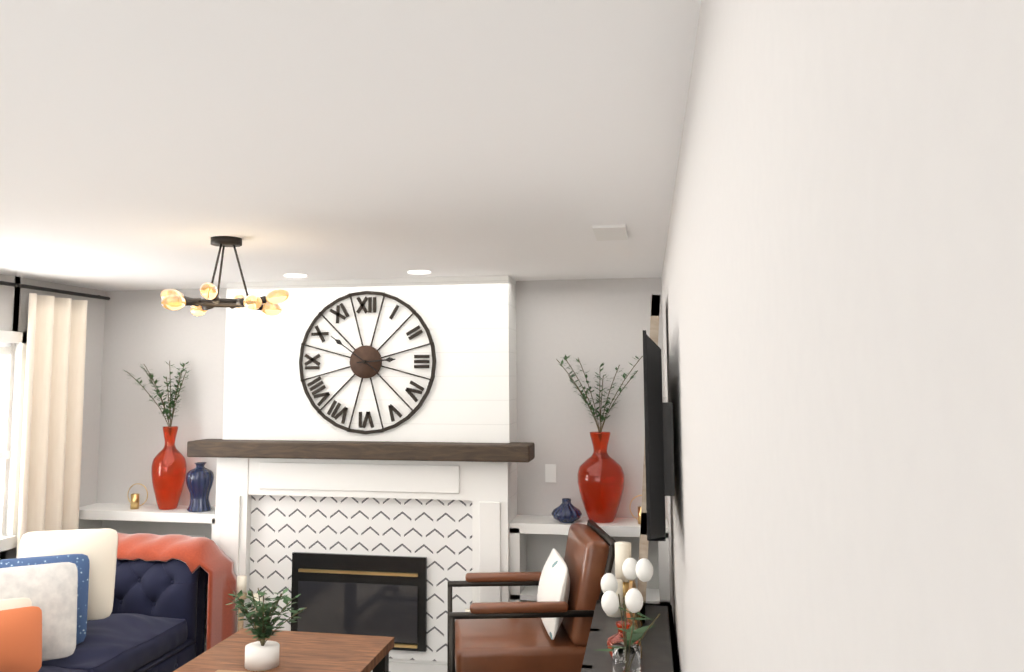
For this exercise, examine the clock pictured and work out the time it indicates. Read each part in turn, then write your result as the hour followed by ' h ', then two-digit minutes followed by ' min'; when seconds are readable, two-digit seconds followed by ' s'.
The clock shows 2 h 51 min
